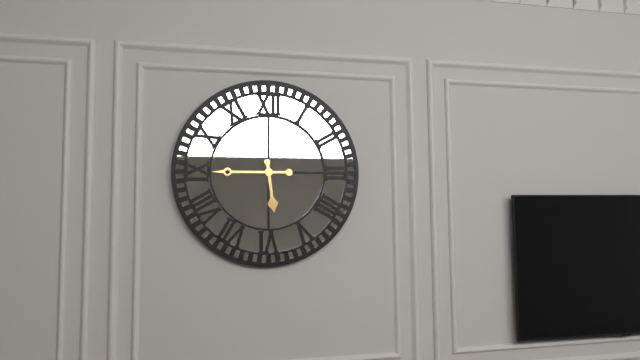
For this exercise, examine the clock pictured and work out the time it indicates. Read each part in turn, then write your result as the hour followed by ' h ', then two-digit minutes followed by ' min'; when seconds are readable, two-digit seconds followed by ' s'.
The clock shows 5 h 45 min
